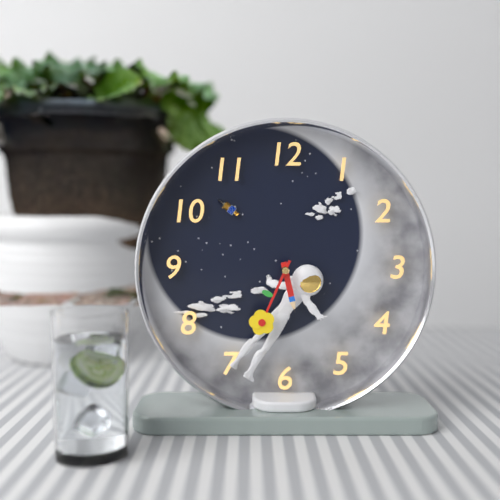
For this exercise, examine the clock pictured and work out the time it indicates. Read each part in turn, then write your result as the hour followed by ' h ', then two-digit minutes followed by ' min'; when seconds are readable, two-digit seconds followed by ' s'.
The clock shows 5 h 34 min
